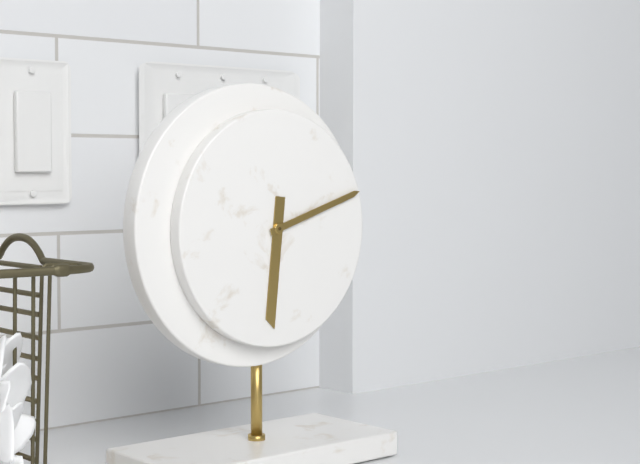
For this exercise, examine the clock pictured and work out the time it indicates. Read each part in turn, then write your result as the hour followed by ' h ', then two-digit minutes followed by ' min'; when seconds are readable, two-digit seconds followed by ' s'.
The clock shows 6 h 12 min
